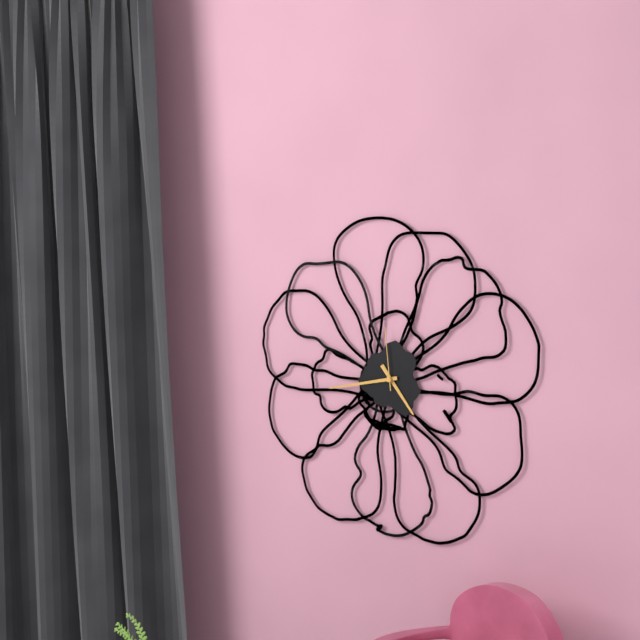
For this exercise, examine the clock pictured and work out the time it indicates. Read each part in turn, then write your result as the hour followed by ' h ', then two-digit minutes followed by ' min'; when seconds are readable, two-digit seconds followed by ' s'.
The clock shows 4 h 43 min 59 s
